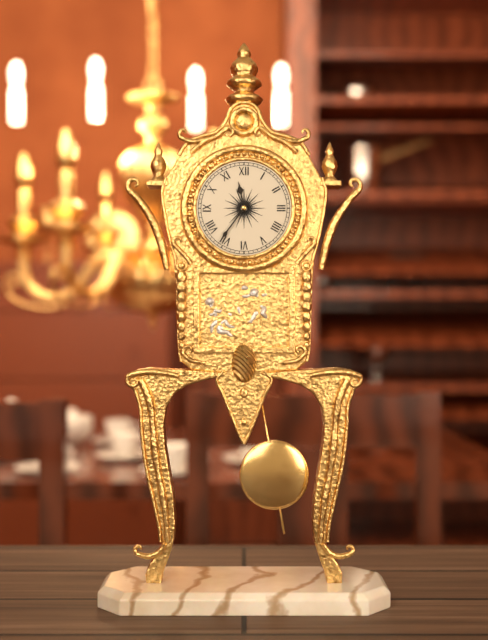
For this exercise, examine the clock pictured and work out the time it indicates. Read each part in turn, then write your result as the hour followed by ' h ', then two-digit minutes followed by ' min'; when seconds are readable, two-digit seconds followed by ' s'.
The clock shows 11 h 36 min
